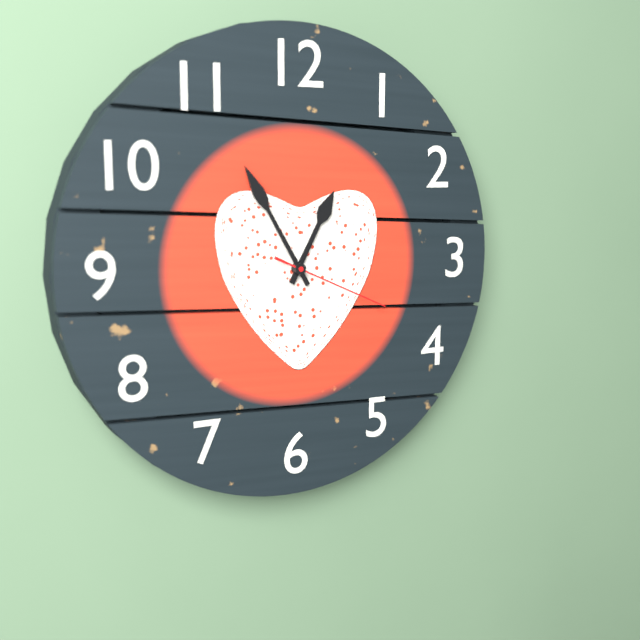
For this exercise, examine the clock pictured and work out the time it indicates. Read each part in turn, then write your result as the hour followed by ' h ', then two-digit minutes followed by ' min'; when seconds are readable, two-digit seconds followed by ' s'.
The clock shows 12 h 55 min 19 s
